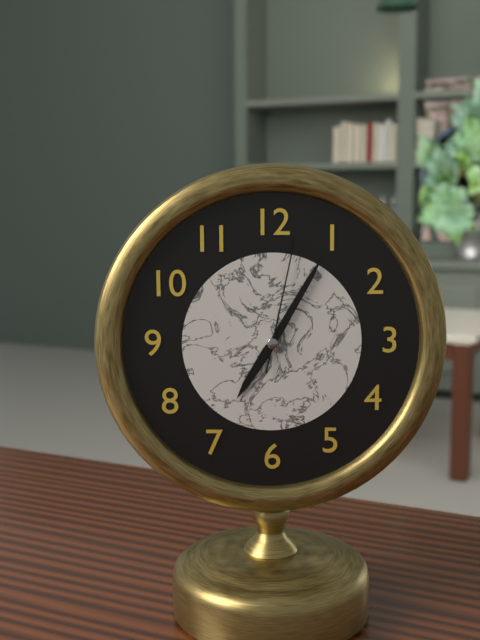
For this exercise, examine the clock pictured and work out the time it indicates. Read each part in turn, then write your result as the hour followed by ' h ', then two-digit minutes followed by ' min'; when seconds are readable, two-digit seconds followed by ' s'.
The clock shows 7 h 05 min 02 s
